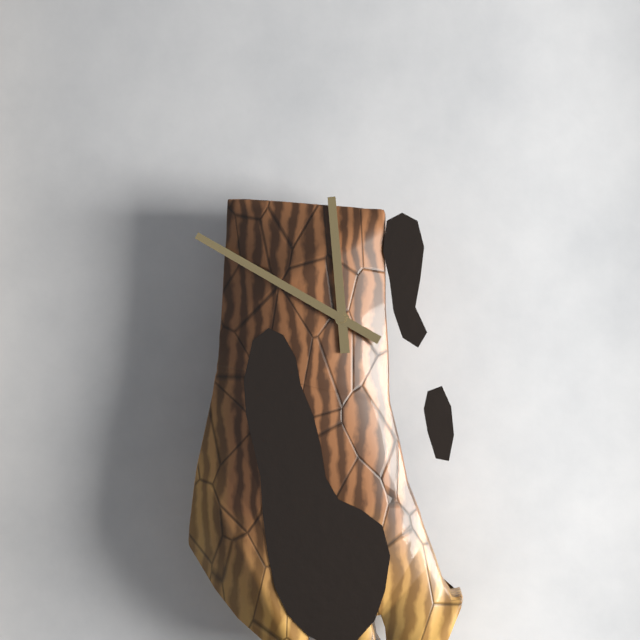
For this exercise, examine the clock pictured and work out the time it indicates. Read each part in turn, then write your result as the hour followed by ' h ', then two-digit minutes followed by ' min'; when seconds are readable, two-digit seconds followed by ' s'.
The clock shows 11 h 50 min
